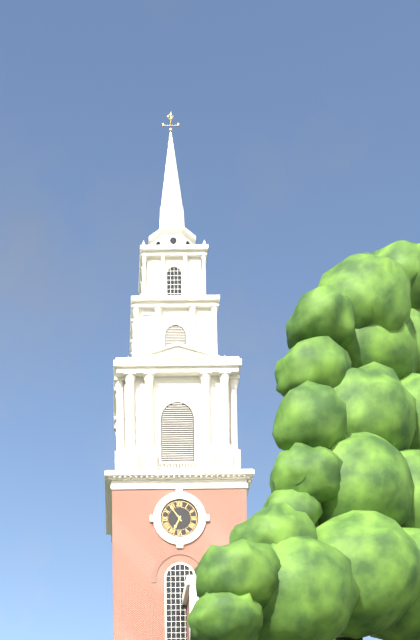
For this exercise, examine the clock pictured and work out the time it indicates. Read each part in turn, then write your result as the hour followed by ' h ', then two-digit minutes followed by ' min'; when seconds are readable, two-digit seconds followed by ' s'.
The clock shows 6 h 54 min
